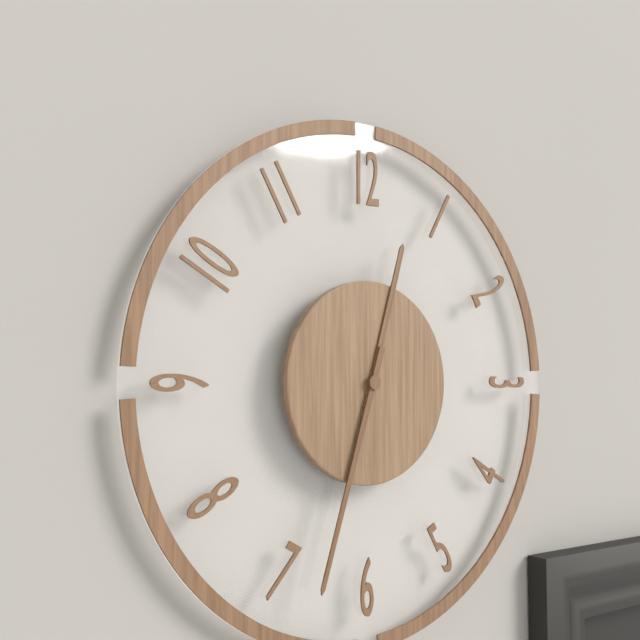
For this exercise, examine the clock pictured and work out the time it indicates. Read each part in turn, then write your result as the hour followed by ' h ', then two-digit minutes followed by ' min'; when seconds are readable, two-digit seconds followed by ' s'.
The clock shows 12 h 33 min
